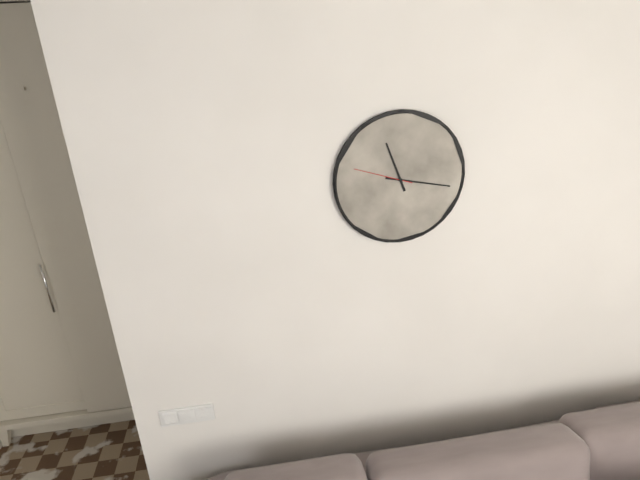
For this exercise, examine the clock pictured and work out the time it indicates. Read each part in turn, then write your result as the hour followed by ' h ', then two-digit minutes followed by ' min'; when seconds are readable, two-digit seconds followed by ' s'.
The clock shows 11 h 17 min 48 s
